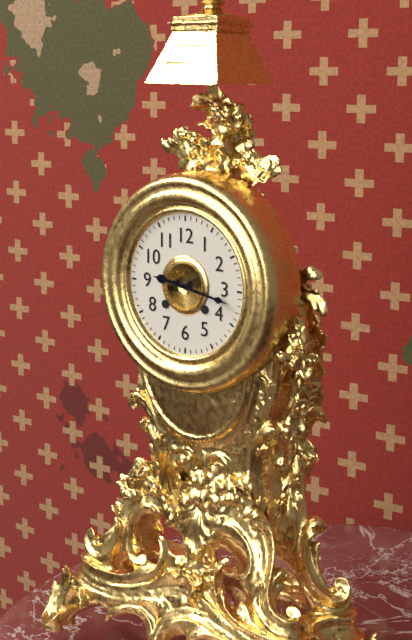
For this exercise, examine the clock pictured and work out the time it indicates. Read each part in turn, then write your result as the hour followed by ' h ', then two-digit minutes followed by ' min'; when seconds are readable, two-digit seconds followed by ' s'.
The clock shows 9 h 17 min
